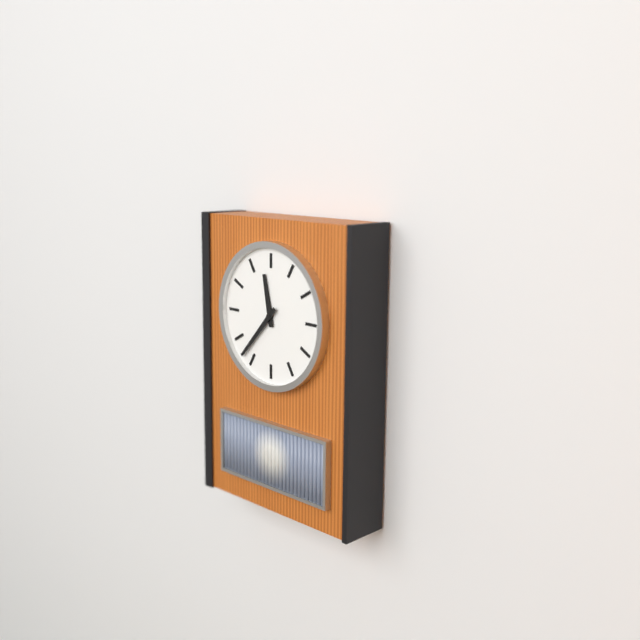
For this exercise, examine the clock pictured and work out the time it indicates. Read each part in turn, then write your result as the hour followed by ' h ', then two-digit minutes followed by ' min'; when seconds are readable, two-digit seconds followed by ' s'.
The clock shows 11 h 37 min
